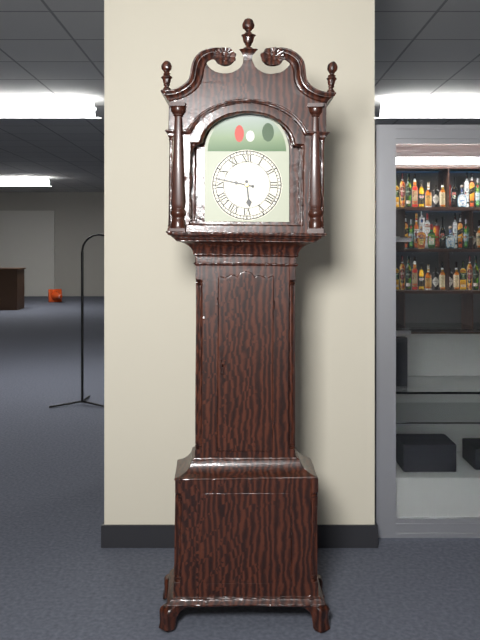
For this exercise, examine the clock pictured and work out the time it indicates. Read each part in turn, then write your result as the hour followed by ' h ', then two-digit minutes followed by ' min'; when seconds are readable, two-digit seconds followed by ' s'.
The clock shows 5 h 47 min
